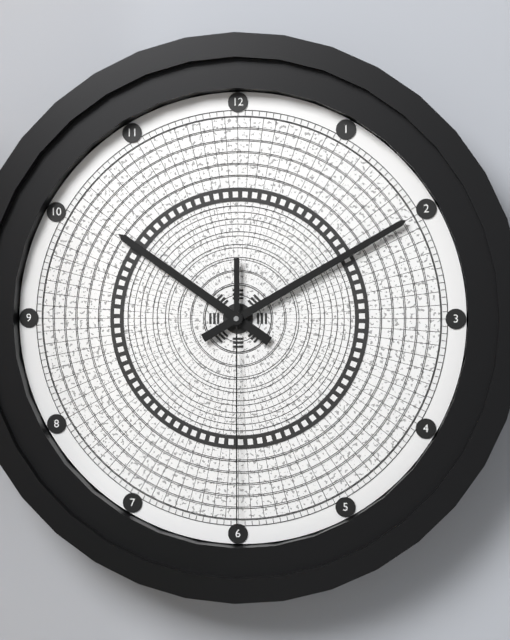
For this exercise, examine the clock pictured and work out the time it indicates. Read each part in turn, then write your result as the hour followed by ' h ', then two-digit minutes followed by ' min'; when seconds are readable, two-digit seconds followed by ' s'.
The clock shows 10 h 10 min 30 s
